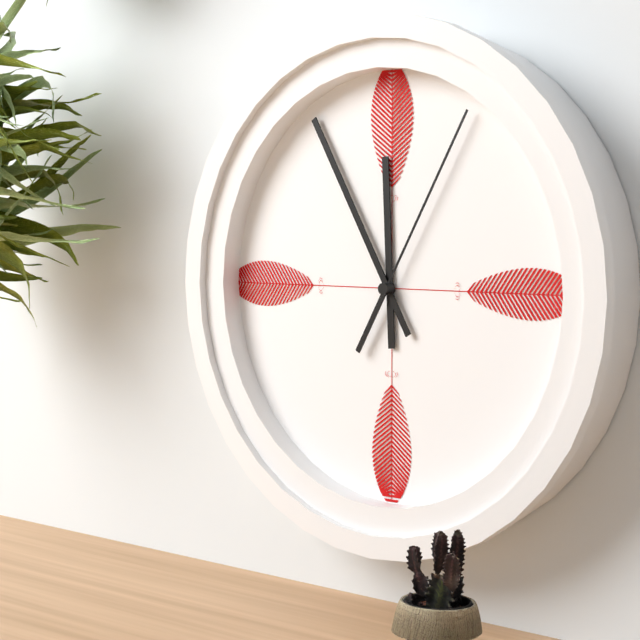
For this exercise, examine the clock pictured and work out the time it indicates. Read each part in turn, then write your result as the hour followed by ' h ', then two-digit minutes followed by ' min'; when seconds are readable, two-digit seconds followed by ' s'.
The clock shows 11 h 55 min 05 s
